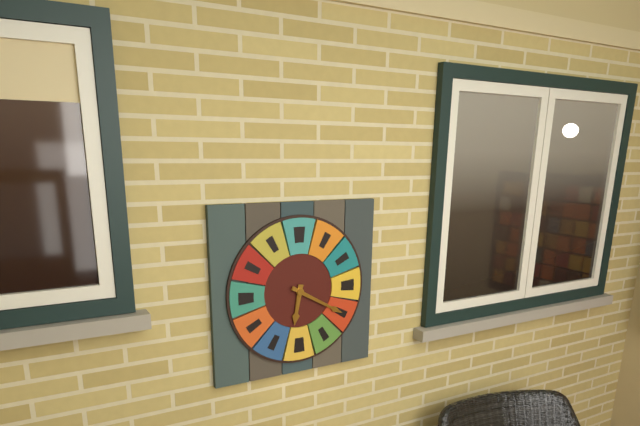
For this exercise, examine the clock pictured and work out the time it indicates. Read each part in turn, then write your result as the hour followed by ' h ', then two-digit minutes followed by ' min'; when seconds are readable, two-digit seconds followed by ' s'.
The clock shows 6 h 20 min
